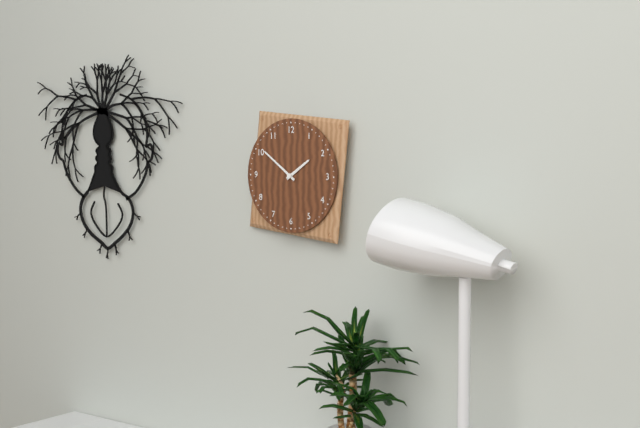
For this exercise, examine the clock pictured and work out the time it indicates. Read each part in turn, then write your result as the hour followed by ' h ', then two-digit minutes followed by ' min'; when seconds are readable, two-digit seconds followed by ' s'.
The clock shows 1 h 51 min
